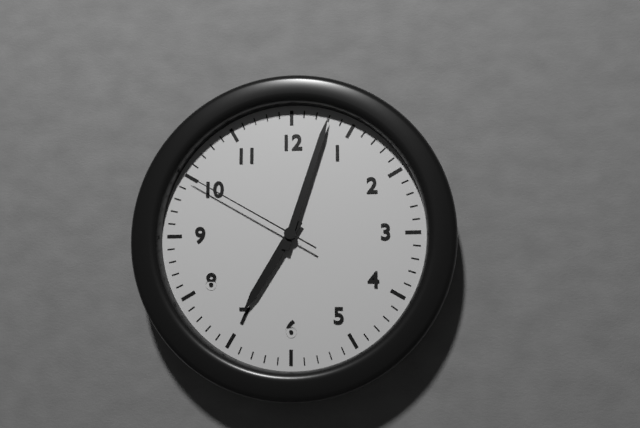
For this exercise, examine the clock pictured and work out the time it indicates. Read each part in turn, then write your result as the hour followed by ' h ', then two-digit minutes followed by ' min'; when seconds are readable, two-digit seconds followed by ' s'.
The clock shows 7 h 03 min 50 s
